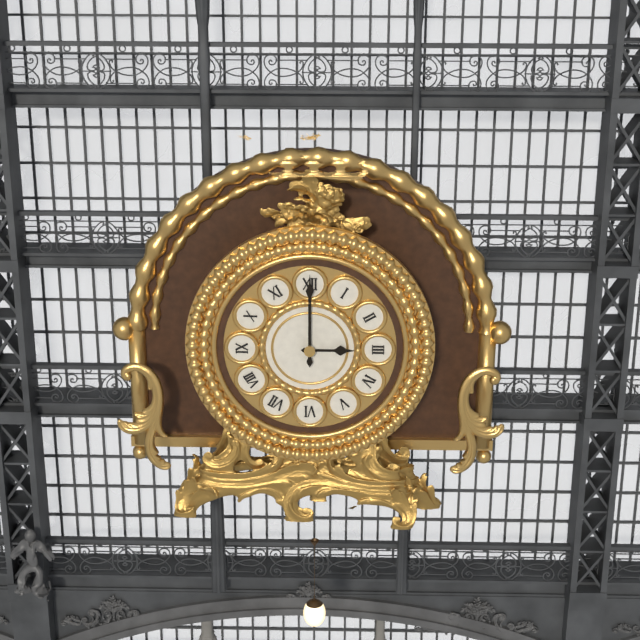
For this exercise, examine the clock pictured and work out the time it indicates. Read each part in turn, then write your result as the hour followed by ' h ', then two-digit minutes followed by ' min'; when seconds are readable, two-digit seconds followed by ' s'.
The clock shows 3 h 00 min
